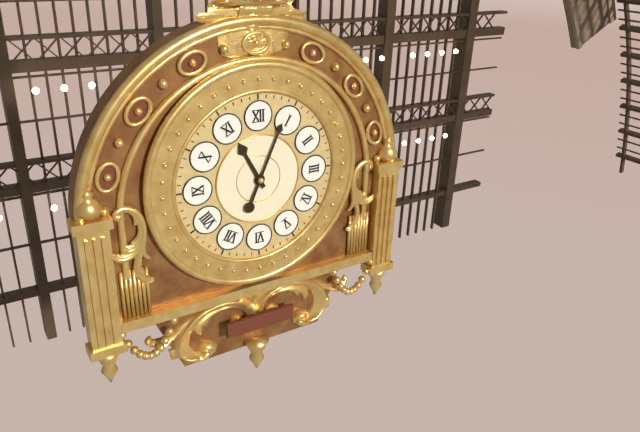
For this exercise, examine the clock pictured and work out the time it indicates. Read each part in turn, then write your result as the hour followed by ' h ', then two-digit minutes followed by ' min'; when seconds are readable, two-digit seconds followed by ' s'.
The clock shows 11 h 04 min
